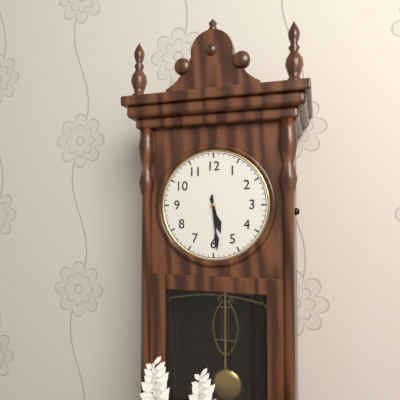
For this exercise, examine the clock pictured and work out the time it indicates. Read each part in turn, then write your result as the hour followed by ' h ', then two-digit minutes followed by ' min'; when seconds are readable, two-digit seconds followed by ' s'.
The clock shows 5 h 29 min
